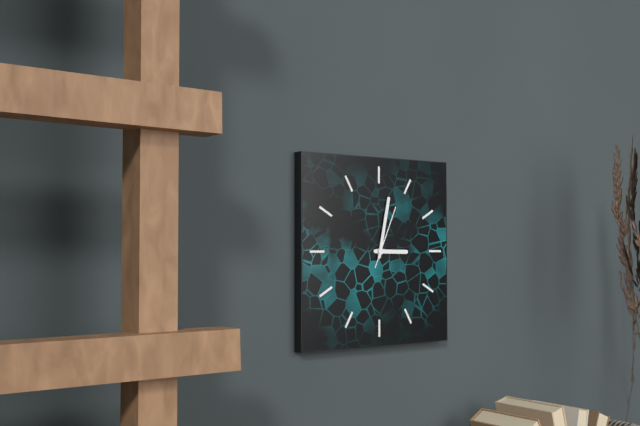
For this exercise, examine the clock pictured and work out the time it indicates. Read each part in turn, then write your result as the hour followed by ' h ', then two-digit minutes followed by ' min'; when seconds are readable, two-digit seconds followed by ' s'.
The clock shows 3 h 02 min 04 s
